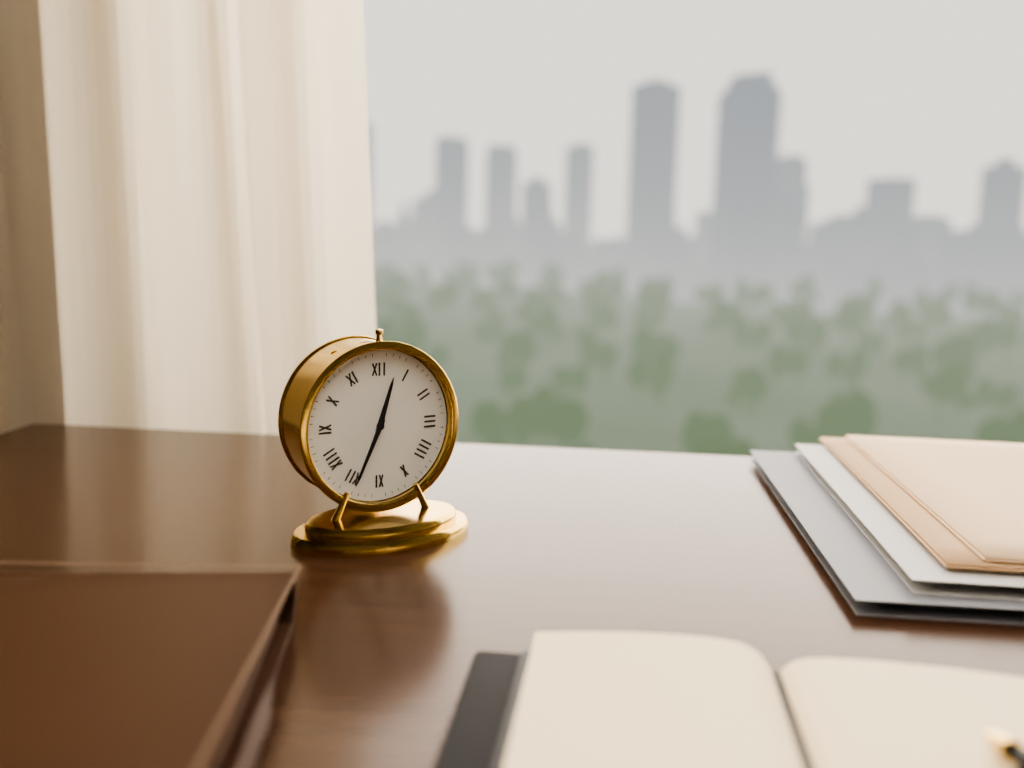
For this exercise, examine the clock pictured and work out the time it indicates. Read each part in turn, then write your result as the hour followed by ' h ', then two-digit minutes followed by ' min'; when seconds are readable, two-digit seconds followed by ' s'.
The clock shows 12 h 34 min
